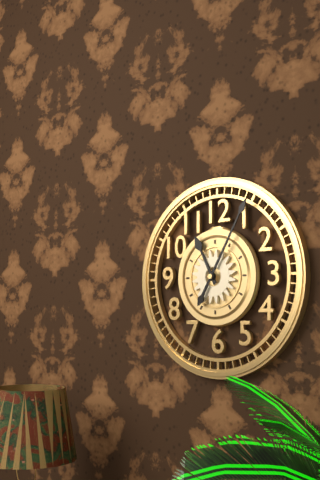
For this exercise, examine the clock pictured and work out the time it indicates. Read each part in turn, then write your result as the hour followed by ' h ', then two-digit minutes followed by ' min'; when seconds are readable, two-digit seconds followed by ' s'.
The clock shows 11 h 05 min
